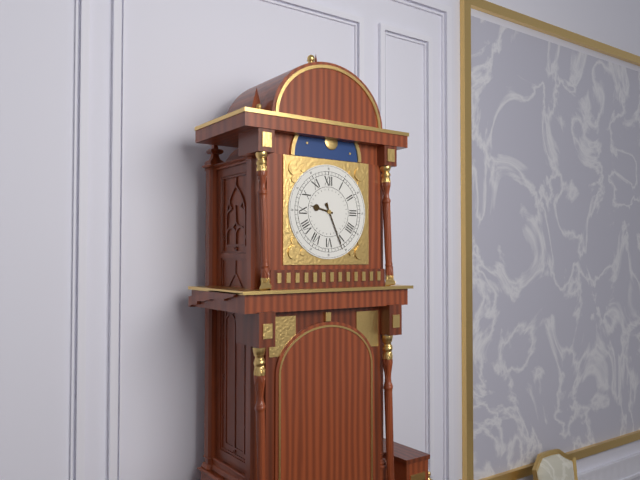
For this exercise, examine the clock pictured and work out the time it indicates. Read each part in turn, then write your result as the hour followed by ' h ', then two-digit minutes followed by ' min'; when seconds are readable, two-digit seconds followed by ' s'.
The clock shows 9 h 26 min
